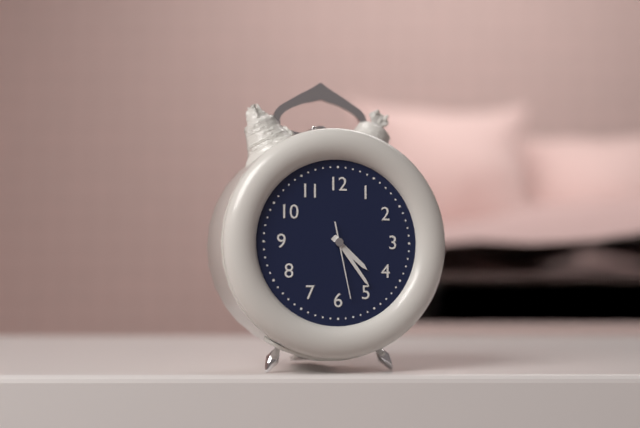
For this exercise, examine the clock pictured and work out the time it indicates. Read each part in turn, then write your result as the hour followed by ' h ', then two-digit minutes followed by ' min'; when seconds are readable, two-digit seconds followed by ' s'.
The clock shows 4 h 24 min 28 s
